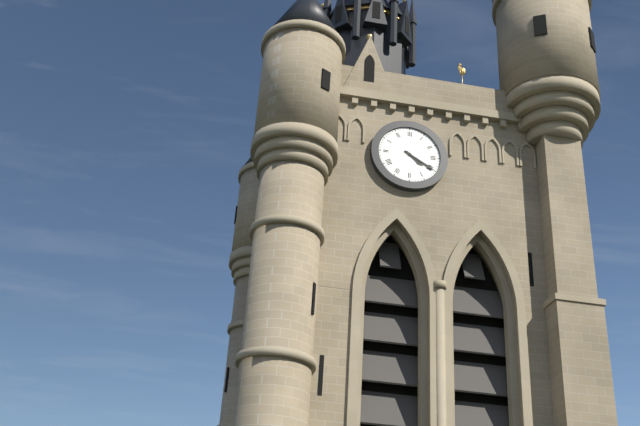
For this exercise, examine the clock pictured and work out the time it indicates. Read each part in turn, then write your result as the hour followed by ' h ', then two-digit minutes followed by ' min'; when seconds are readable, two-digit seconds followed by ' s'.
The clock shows 4 h 20 min
